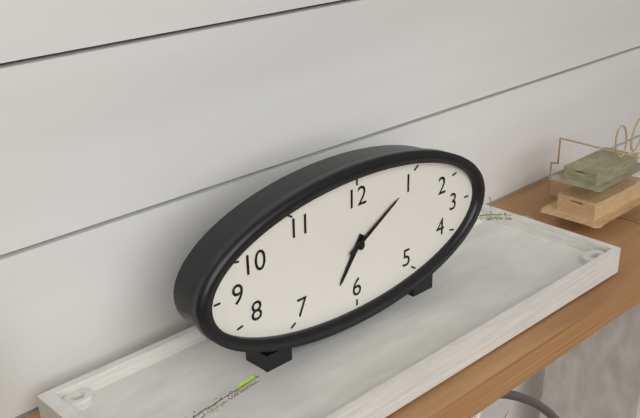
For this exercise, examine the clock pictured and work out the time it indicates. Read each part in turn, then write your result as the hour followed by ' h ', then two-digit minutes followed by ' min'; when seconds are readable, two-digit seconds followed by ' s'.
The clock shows 7 h 10 min
